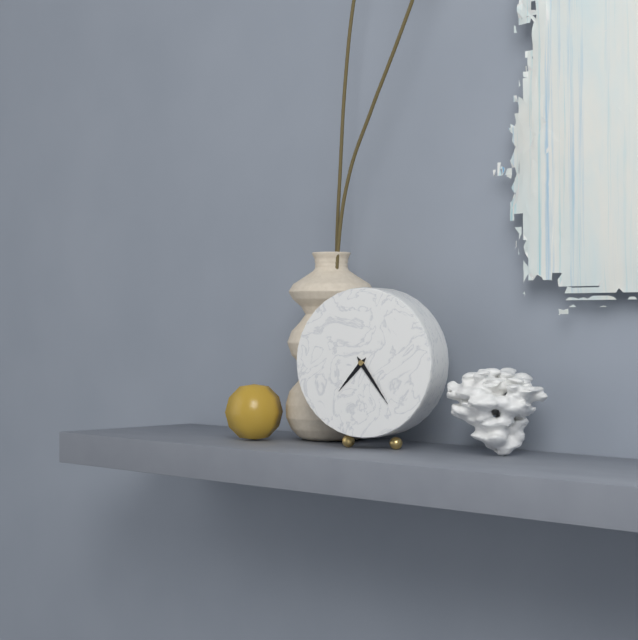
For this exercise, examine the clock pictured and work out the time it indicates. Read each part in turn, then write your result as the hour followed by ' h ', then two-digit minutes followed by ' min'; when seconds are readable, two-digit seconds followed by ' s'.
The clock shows 7 h 24 min
